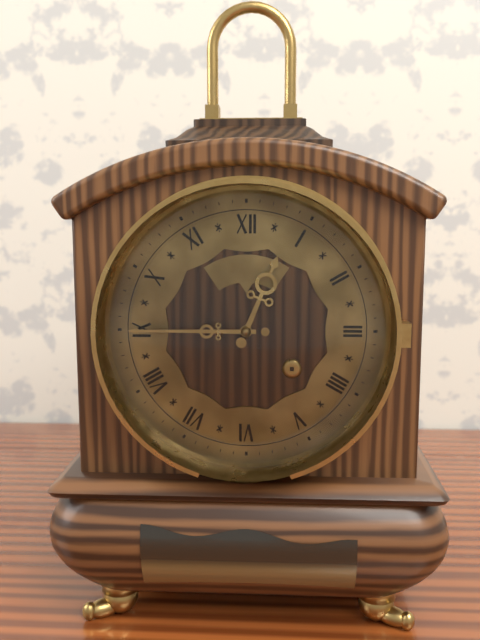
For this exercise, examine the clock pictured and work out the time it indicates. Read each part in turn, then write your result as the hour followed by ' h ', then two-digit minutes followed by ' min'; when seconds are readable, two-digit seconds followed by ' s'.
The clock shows 12 h 45 min
